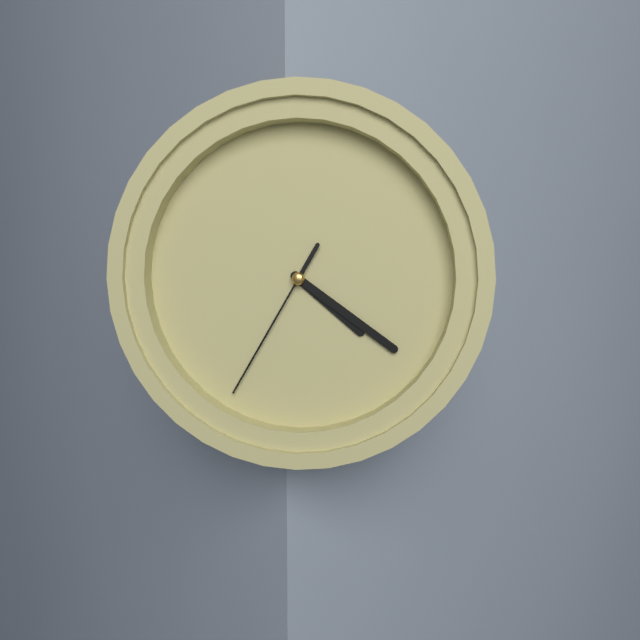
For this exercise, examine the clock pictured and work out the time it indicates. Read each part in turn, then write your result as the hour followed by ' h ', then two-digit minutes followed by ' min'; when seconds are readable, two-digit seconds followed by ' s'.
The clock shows 4 h 21 min 35 s
